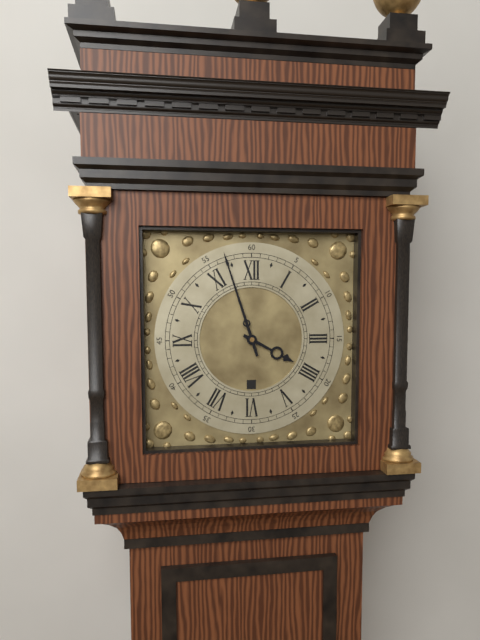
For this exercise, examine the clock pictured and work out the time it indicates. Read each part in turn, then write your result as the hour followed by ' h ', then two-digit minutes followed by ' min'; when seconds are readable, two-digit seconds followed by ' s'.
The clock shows 3 h 57 min
